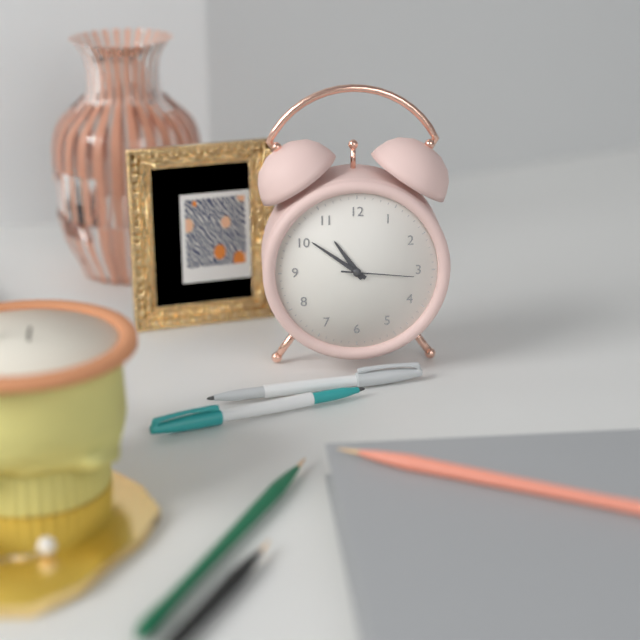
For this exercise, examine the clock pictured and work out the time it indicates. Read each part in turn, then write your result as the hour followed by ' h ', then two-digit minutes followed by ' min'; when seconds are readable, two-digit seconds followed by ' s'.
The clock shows 10 h 51 min 16 s
